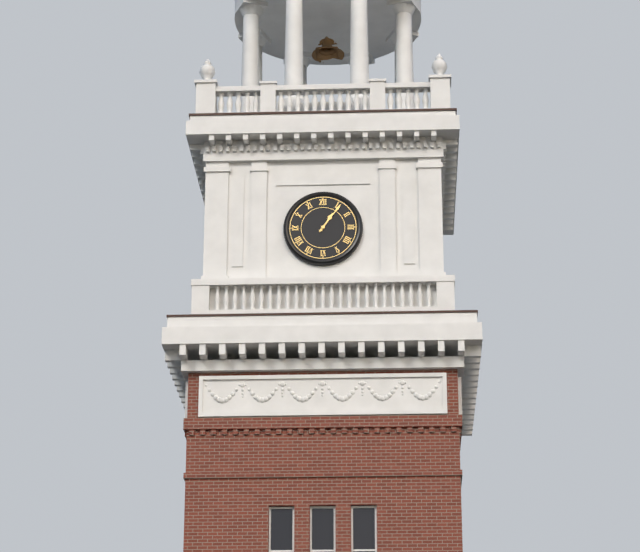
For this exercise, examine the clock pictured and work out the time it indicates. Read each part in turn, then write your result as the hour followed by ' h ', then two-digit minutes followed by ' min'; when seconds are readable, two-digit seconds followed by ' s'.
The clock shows 1 h 06 min
